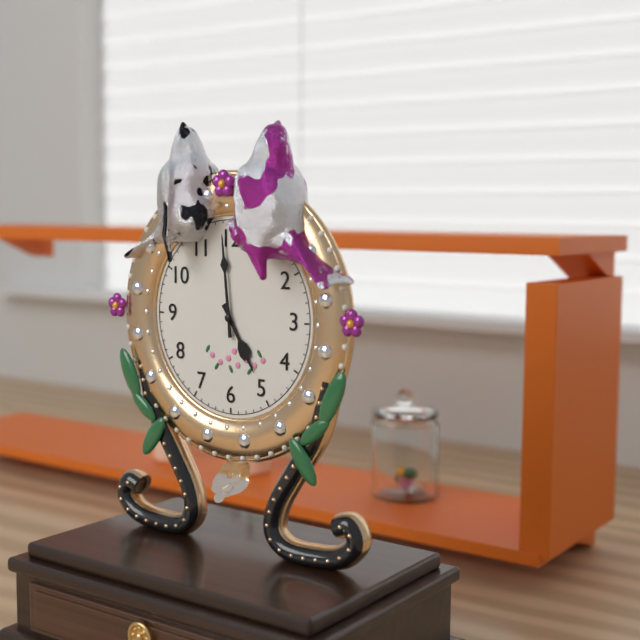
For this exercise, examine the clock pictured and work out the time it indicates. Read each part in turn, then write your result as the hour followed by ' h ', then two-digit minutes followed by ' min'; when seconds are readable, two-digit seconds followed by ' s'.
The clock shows 4 h 59 min
